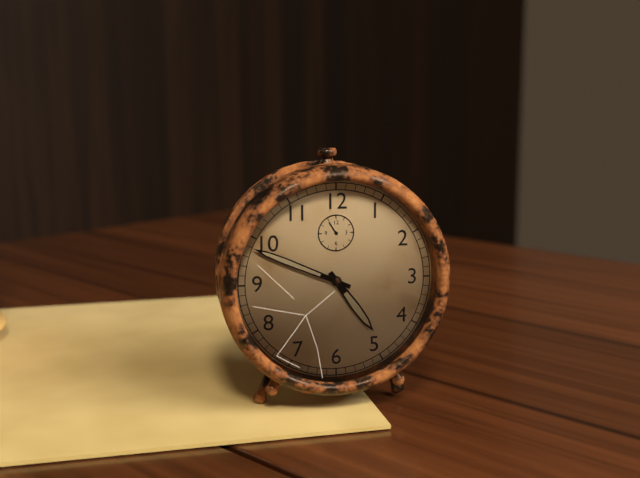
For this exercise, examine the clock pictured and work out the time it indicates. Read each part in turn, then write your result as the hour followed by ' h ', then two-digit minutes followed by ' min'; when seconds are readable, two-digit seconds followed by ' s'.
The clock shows 4 h 49 min
